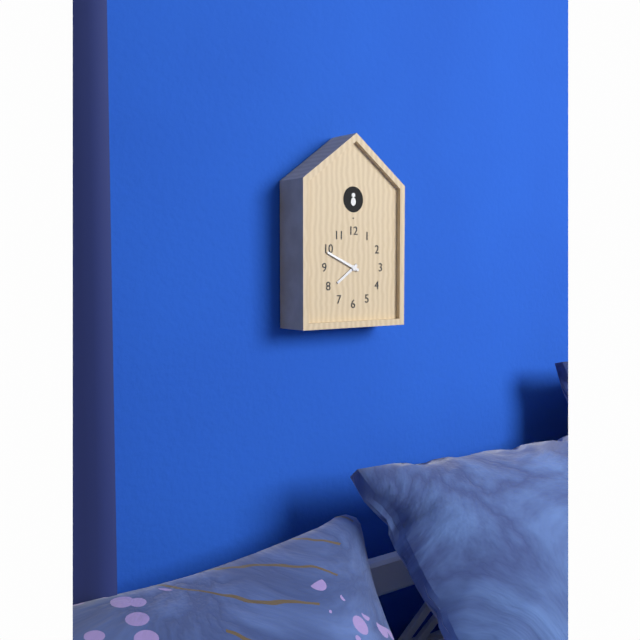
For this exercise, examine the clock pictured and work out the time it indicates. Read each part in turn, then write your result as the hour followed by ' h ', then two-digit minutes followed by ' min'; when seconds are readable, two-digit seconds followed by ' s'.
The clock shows 7 h 49 min
